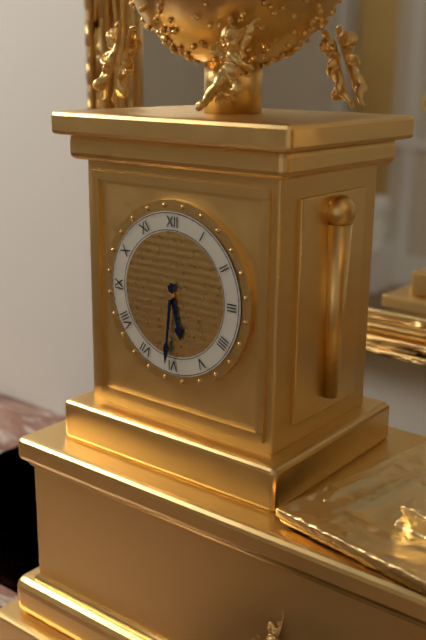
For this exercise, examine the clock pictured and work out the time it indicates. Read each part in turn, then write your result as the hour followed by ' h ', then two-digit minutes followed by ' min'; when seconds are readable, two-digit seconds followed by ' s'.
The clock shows 5 h 31 min
